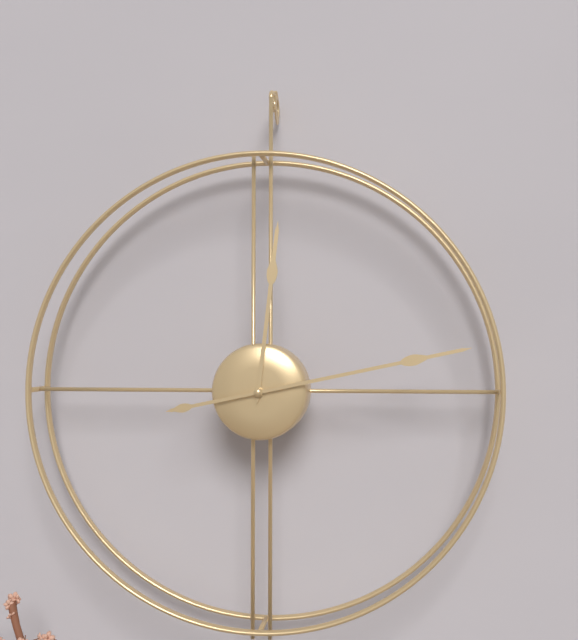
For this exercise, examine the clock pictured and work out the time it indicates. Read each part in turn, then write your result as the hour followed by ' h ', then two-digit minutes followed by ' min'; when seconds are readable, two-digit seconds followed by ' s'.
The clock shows 12 h 13 min
